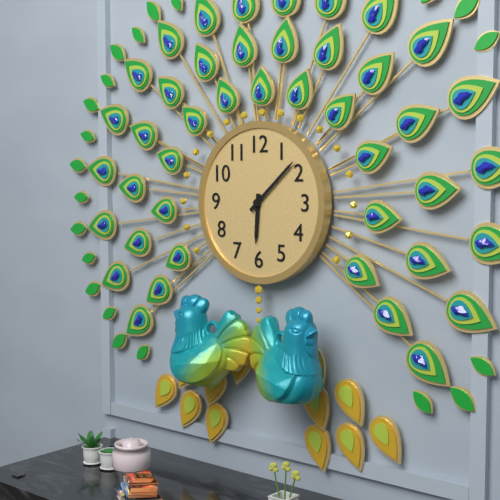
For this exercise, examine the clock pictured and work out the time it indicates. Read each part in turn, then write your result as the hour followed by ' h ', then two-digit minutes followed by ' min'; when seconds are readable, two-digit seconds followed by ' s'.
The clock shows 6 h 08 min
